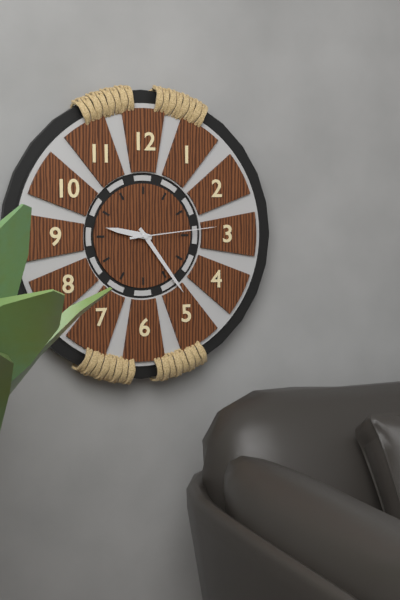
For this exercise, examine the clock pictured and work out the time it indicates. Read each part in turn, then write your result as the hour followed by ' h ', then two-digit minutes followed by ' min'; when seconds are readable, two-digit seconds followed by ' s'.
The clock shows 9 h 24 min 14 s
